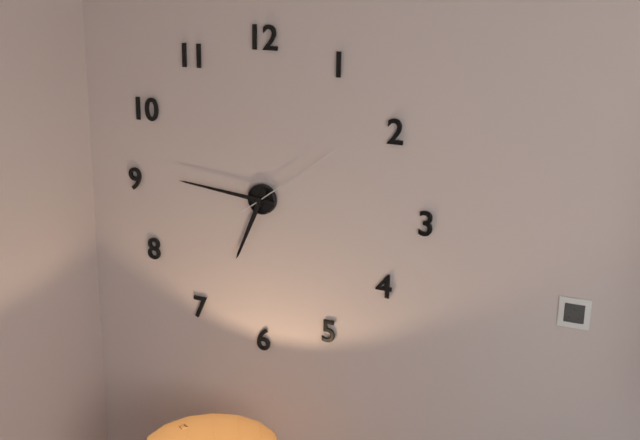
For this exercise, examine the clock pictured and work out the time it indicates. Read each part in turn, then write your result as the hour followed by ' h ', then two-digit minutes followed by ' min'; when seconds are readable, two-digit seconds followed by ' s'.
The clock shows 6 h 46 min 09 s
